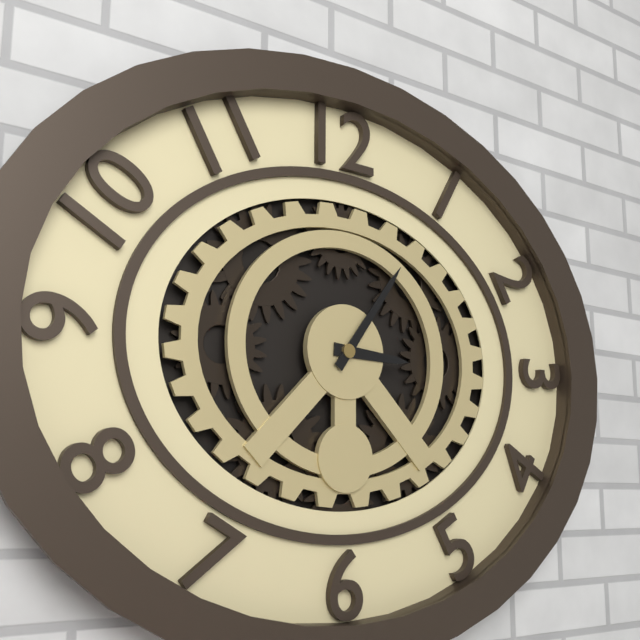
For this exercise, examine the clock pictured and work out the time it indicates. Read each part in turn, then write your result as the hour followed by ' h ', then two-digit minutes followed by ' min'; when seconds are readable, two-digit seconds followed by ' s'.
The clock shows 3 h 06 min
